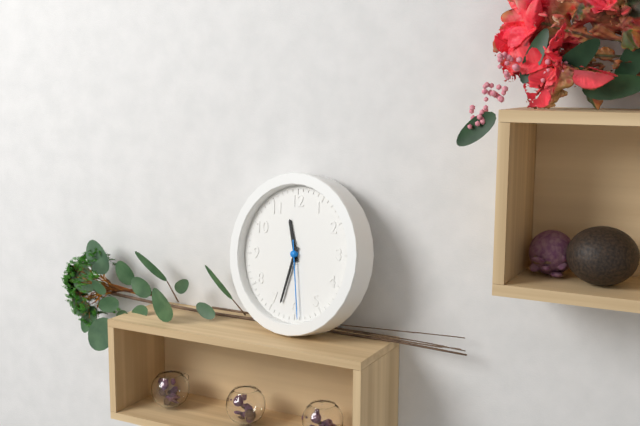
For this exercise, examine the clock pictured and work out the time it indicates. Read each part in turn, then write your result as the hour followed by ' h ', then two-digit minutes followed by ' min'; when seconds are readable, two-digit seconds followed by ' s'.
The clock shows 11 h 33 min 29 s
